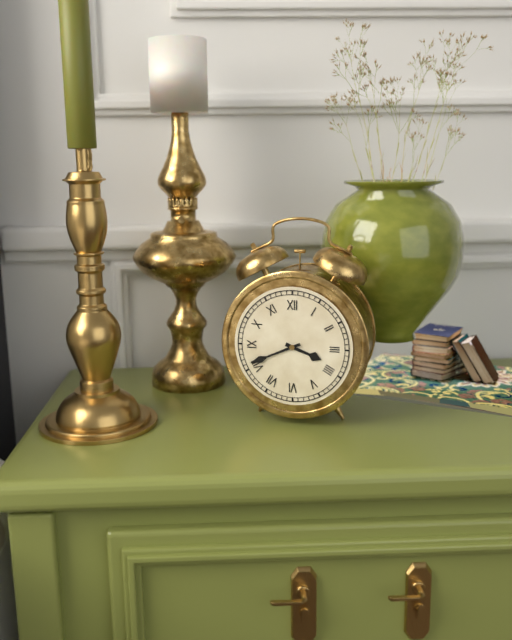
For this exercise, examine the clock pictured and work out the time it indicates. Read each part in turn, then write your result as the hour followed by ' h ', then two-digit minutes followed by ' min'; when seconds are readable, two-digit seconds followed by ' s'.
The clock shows 3 h 41 min
